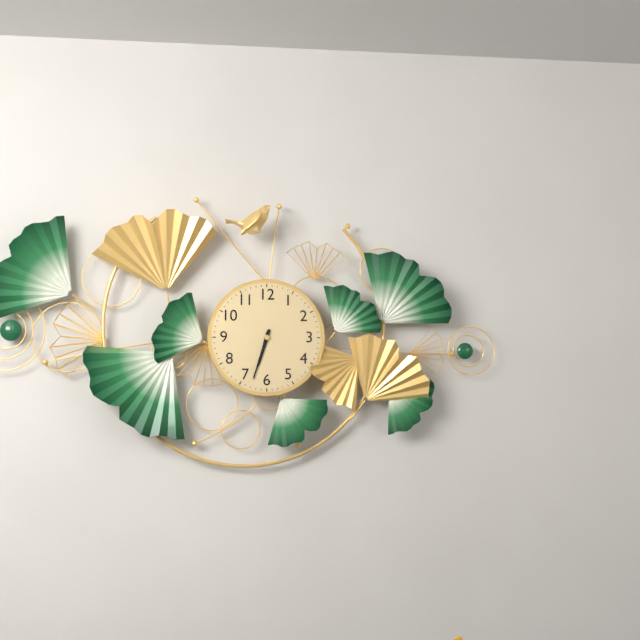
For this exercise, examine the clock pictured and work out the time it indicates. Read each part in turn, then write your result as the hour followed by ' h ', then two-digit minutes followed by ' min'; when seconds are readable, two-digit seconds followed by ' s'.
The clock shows 6 h 33 min
